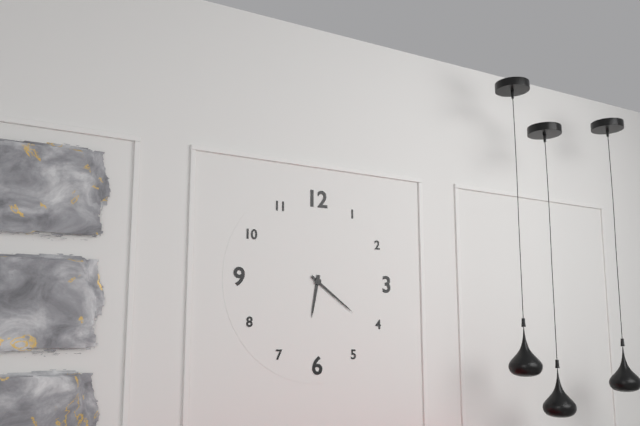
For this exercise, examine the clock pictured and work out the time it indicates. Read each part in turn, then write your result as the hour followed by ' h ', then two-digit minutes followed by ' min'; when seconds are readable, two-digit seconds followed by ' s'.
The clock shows 6 h 21 min
